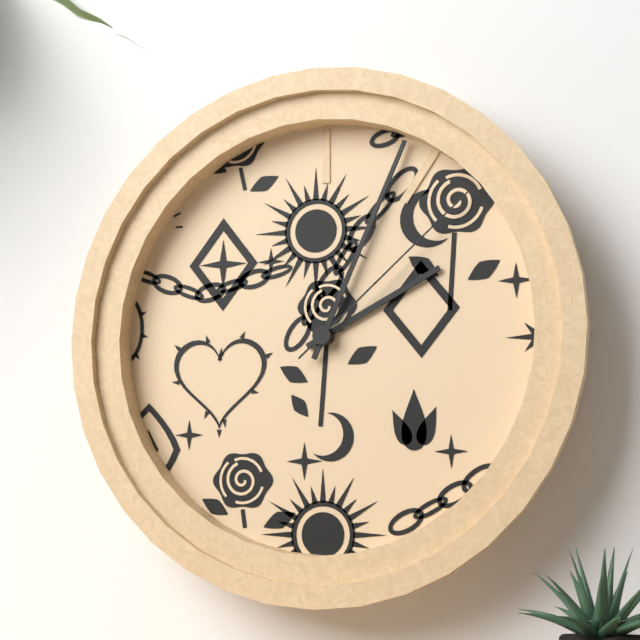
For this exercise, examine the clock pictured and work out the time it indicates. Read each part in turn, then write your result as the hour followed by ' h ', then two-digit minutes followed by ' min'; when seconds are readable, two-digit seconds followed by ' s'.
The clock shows 2 h 04 min 08 s
